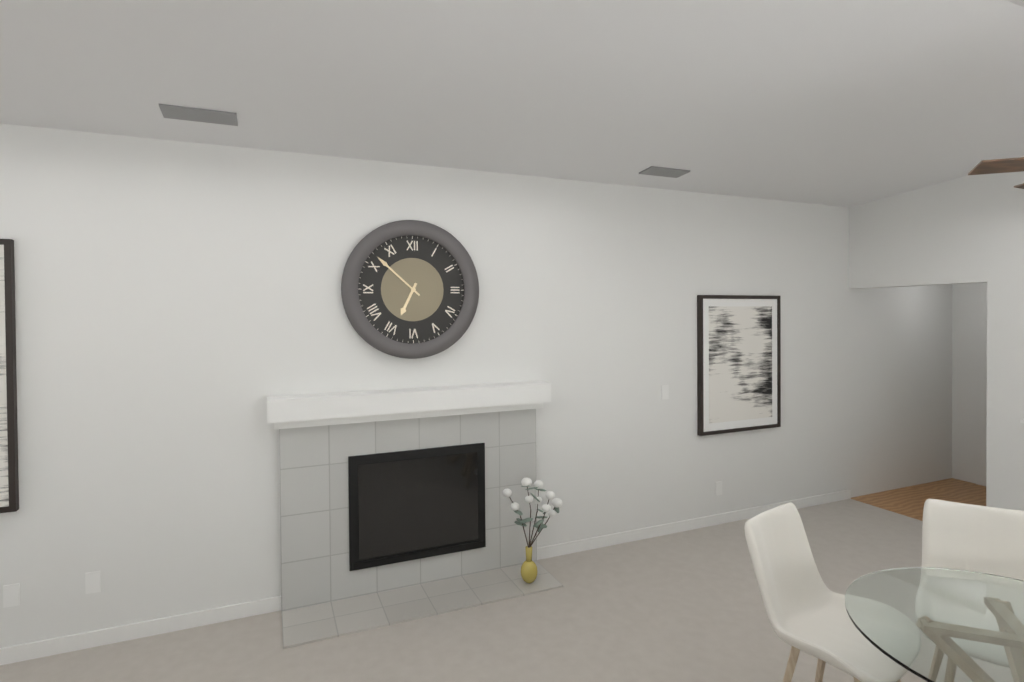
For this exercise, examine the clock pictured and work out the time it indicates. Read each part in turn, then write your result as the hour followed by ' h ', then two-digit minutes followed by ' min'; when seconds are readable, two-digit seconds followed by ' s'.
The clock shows 6 h 52 min
